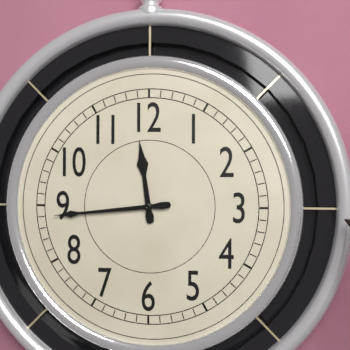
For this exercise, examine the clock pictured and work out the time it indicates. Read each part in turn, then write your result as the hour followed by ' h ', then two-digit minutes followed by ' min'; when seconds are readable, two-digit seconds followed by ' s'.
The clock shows 11 h 44 min
